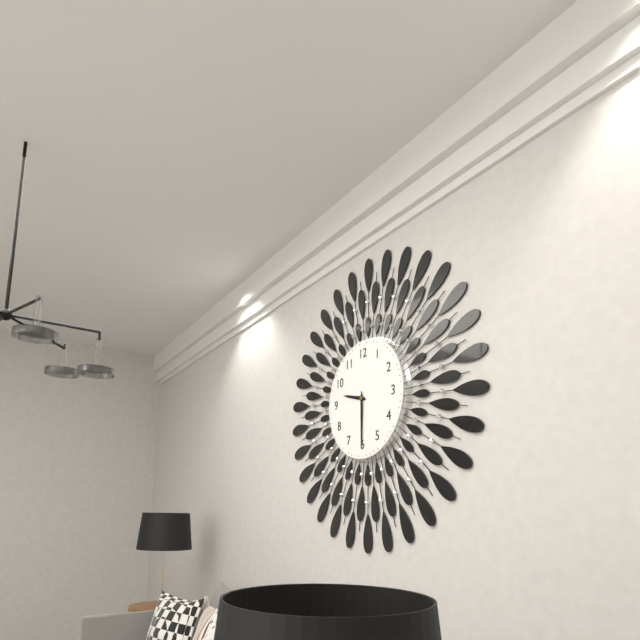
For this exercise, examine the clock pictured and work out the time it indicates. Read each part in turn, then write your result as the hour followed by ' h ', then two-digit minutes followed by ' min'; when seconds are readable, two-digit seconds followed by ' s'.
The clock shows 9 h 30 min
